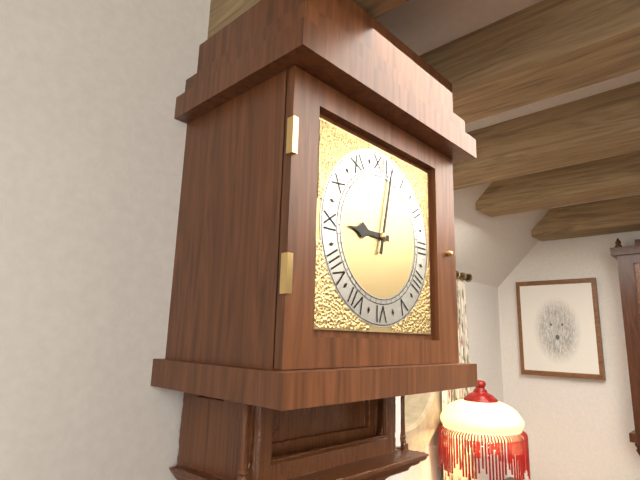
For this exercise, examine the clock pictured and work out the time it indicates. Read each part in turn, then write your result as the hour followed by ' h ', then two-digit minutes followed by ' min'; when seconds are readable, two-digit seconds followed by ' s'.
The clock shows 9 h 02 min
